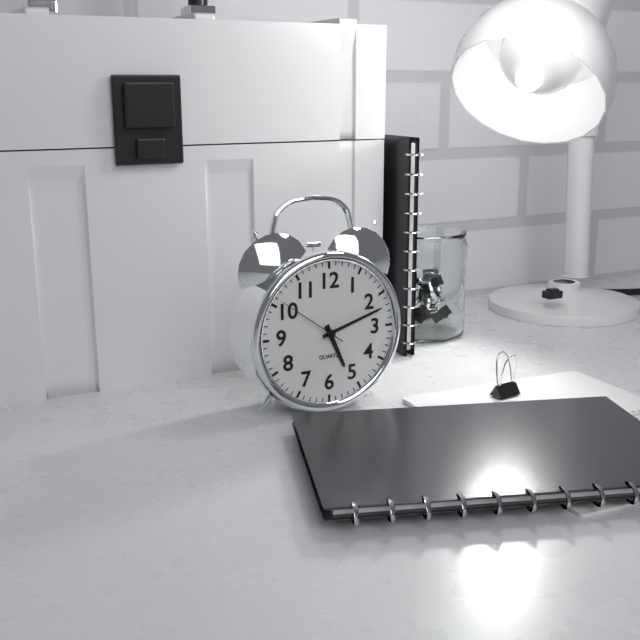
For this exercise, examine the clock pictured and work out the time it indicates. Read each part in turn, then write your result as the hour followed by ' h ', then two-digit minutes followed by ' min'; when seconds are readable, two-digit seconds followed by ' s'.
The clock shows 5 h 12 min 51 s
